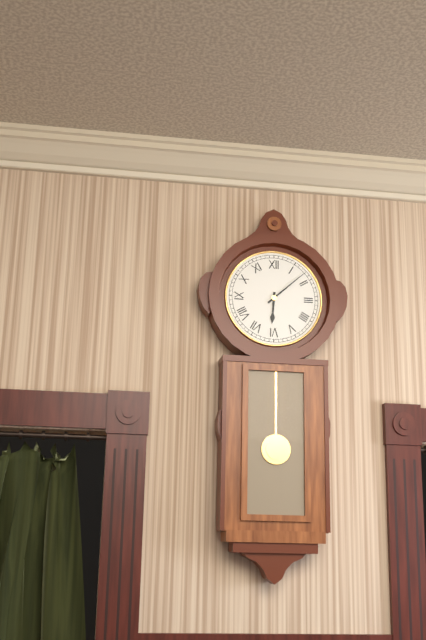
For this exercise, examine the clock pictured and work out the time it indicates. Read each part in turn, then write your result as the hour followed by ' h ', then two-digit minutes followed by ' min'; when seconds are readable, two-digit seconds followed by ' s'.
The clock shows 6 h 08 min
